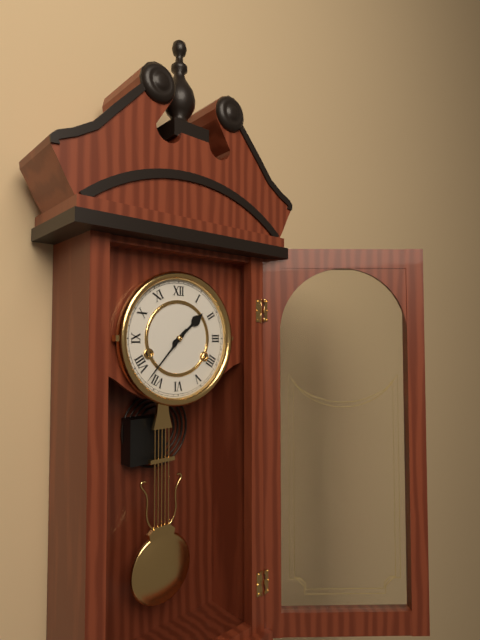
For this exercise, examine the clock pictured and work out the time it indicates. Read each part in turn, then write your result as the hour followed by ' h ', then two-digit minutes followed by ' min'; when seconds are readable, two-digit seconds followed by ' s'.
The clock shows 1 h 37 min
